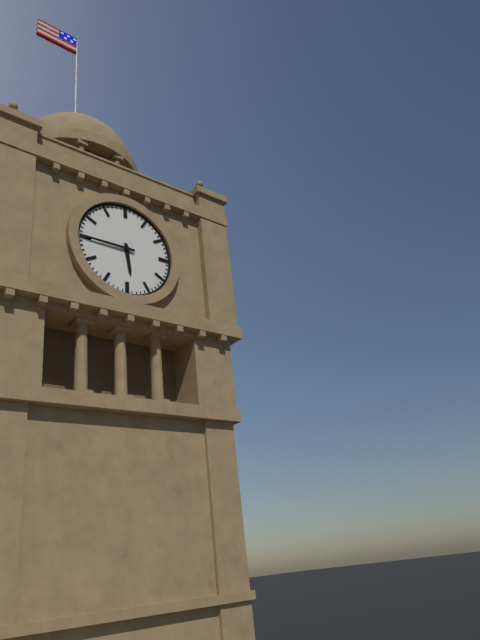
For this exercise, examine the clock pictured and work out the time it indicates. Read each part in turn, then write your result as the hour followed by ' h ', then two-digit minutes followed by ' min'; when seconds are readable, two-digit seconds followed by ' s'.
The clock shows 5 h 45 min
